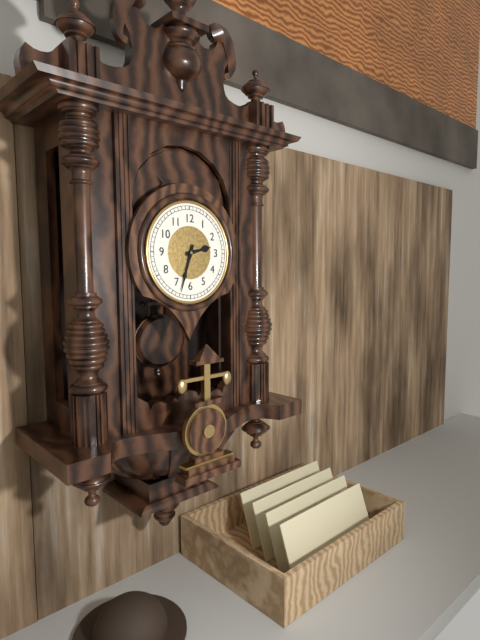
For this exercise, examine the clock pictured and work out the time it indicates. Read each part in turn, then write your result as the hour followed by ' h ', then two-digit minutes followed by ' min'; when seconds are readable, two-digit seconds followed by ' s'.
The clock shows 2 h 33 min
